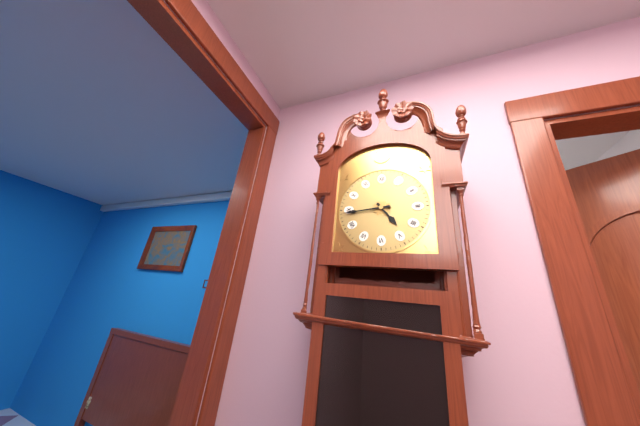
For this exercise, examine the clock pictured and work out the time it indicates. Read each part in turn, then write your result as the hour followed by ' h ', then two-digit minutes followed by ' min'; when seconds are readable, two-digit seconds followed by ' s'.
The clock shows 4 h 44 min
